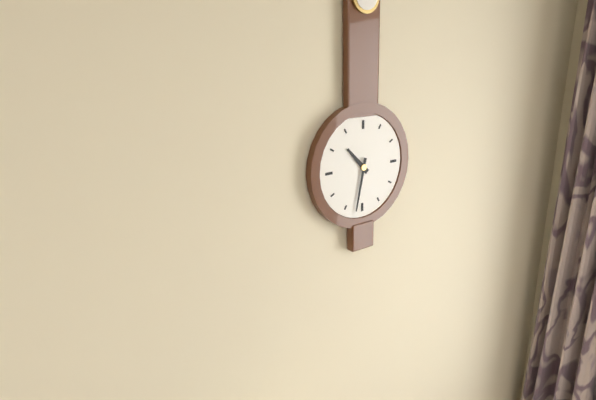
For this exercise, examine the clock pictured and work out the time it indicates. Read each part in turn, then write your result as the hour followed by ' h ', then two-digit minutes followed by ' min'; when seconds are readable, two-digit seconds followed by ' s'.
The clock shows 10 h 32 min
